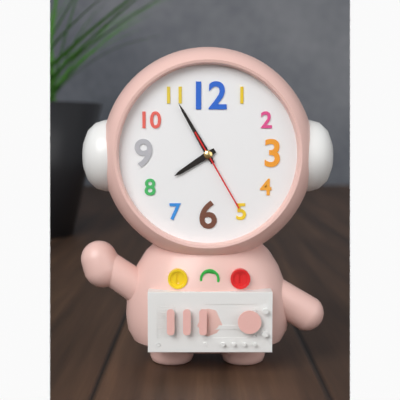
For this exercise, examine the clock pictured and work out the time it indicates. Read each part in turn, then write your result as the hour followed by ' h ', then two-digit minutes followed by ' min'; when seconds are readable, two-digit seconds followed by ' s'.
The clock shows 7 h 55 min 25 s
